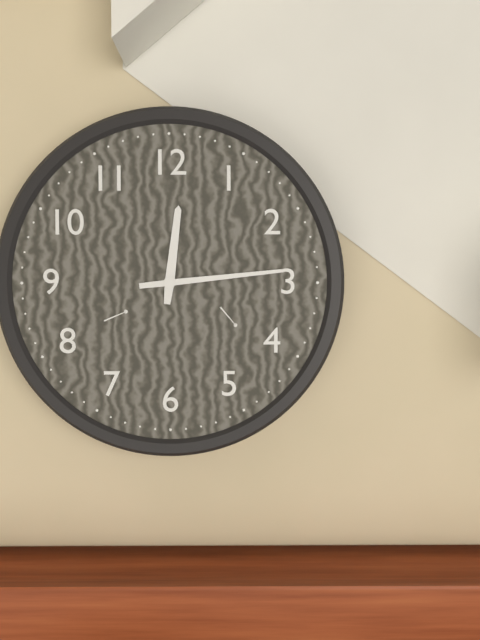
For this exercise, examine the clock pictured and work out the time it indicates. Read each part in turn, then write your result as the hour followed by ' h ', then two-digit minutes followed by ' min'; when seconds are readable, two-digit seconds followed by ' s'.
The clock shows 12 h 14 min
